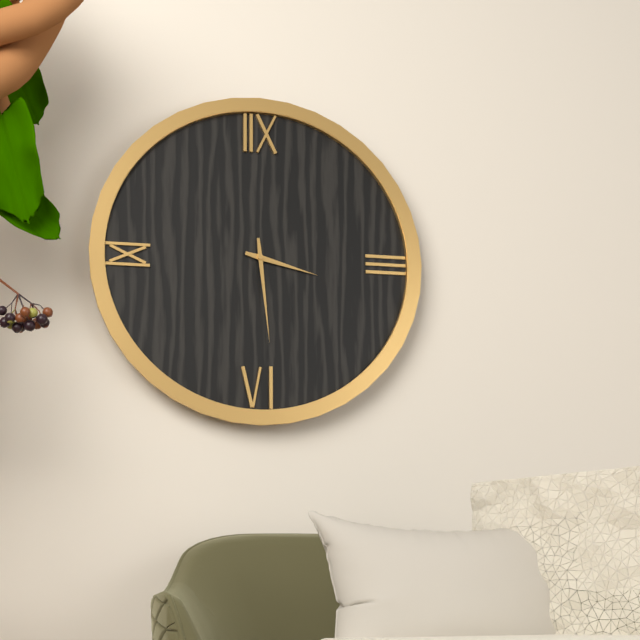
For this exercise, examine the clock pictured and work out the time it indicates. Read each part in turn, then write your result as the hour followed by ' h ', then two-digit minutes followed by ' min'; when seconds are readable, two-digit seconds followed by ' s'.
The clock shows 3 h 29 min
